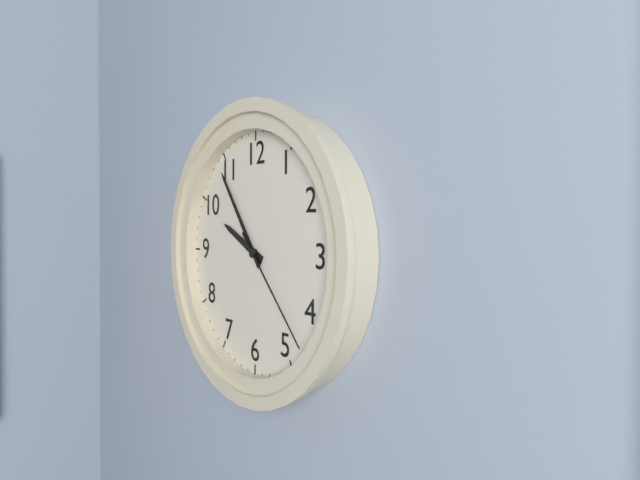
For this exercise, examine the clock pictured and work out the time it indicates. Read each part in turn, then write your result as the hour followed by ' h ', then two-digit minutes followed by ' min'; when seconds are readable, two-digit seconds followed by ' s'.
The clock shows 9 h 54 min 23 s
